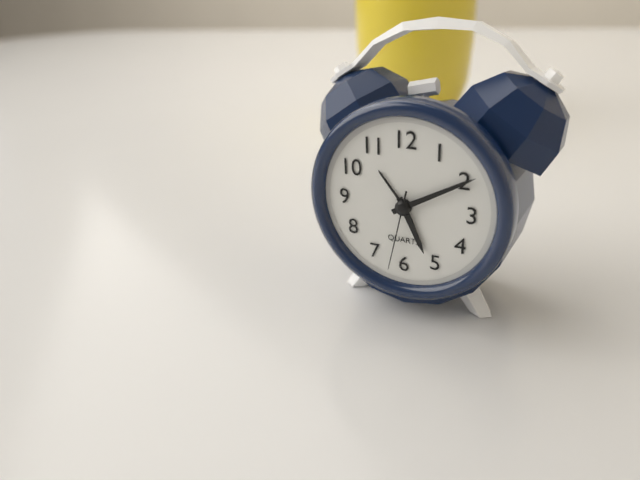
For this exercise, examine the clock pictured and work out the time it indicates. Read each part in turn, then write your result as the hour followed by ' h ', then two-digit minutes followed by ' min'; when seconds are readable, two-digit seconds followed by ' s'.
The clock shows 5 h 10 min 32 s
